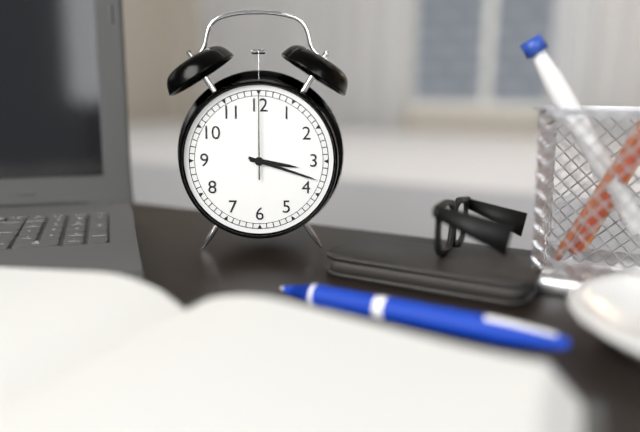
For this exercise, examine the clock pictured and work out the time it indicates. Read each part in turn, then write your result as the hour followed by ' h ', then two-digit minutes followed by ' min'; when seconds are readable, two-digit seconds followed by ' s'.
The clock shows 3 h 18 min 00 s
